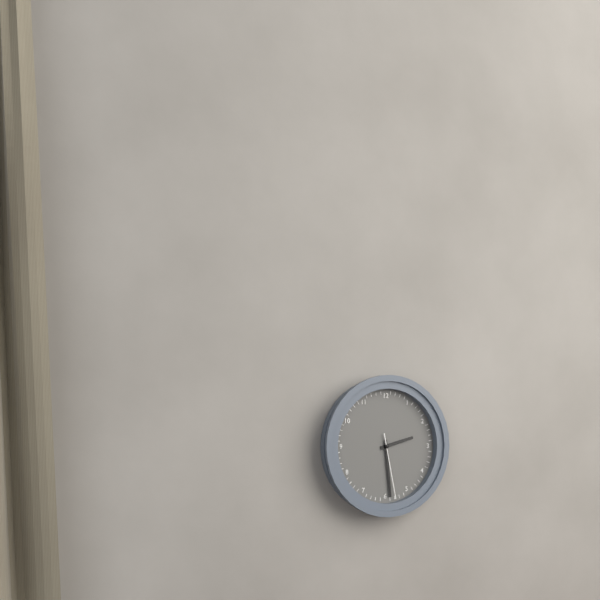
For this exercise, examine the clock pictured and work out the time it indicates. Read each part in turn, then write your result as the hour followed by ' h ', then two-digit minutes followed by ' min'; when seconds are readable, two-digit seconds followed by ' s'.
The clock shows 2 h 29 min 28 s
